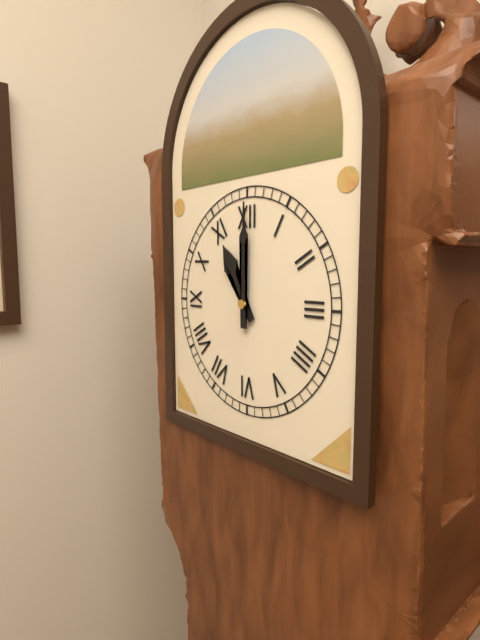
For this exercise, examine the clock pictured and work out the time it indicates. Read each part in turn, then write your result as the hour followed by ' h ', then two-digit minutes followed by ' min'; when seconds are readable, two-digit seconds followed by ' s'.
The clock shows 11 h 00 min
